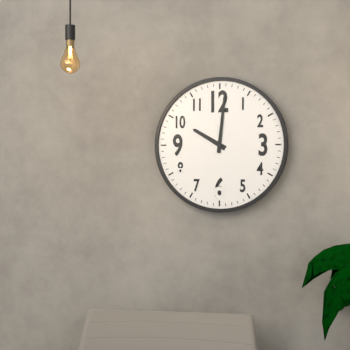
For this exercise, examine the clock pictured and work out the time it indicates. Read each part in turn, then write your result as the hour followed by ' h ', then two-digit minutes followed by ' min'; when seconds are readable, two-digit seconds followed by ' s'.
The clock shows 10 h 01 min
